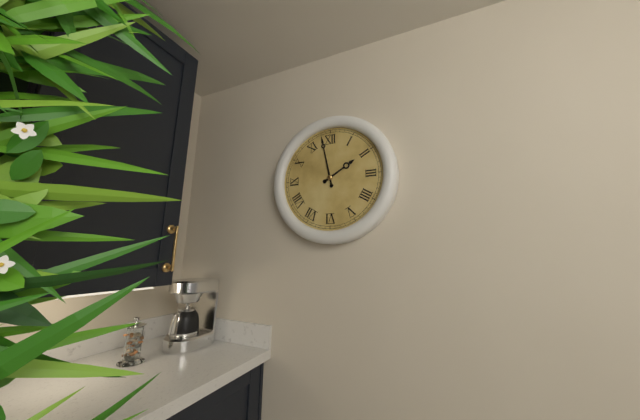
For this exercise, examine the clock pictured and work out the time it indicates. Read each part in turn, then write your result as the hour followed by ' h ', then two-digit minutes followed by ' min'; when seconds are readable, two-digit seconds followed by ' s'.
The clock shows 1 h 58 min
